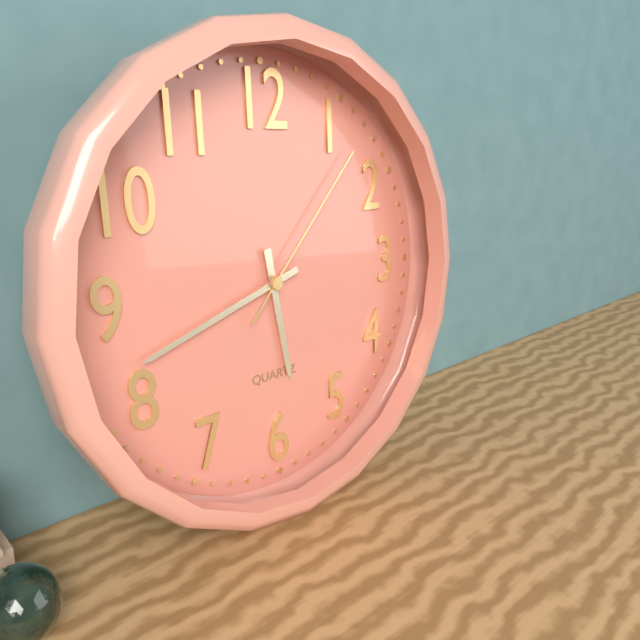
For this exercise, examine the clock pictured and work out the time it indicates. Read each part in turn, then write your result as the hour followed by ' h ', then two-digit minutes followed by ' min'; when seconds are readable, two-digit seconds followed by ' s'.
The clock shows 5 h 42 min 07 s
